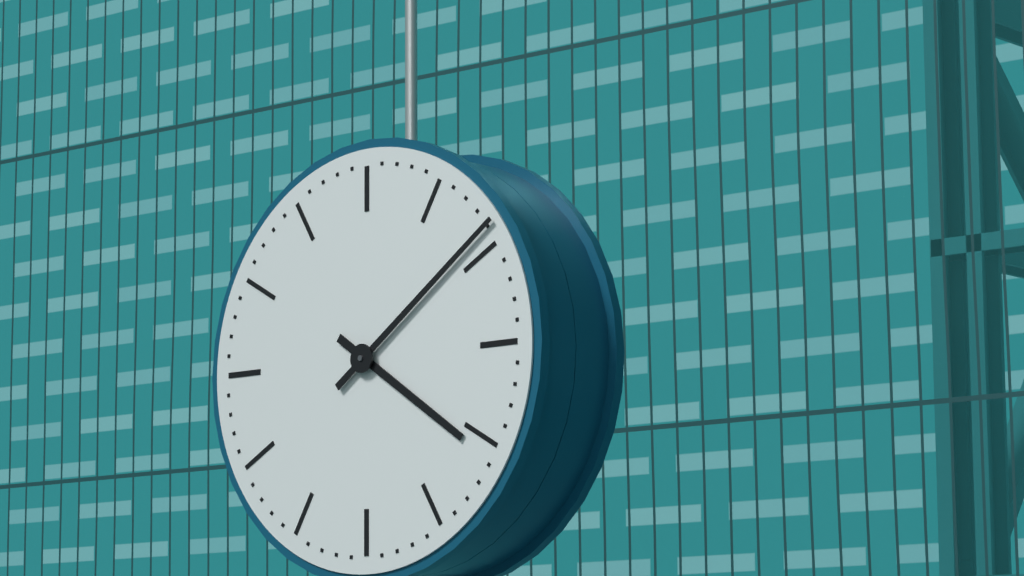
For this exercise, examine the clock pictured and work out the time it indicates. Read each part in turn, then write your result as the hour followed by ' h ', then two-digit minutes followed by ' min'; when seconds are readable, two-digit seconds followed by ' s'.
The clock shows 4 h 09 min
